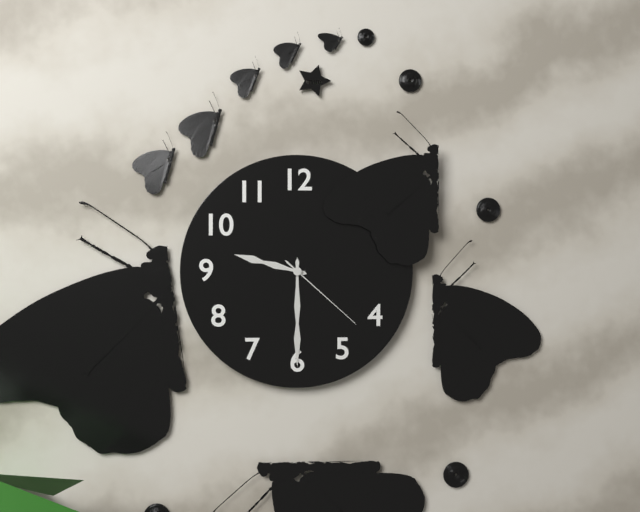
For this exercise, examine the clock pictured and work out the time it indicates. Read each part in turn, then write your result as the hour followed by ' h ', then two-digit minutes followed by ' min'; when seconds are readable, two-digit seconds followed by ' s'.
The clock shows 9 h 30 min 22 s
